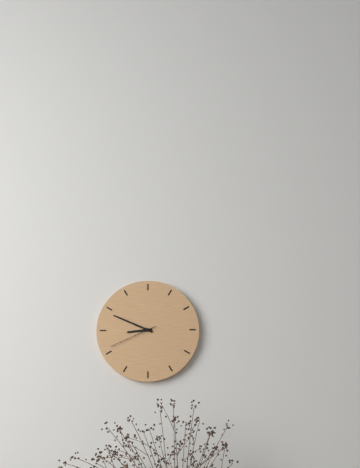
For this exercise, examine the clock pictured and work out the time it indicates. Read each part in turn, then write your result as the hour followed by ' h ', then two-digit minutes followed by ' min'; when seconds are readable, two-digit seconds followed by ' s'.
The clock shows 8 h 49 min 41 s
